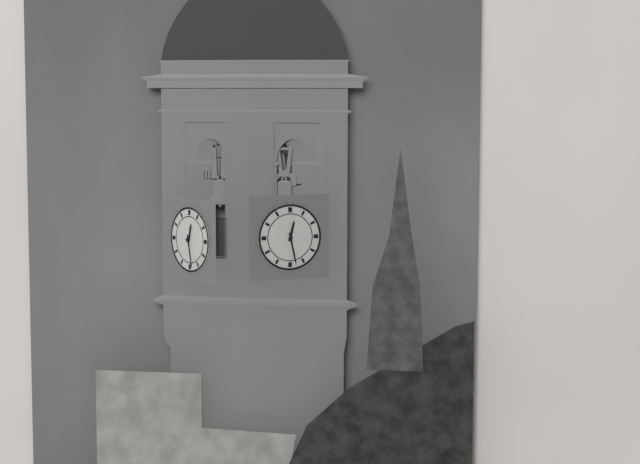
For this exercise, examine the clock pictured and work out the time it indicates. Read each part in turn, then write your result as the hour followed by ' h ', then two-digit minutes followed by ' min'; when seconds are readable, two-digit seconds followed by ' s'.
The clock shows 12 h 28 min
